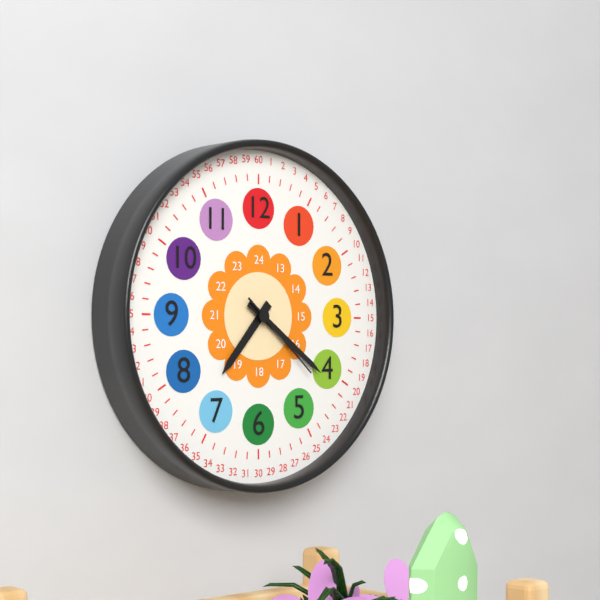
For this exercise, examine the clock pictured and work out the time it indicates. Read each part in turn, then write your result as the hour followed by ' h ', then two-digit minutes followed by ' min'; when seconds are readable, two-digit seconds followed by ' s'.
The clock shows 7 h 21 min 22 s
